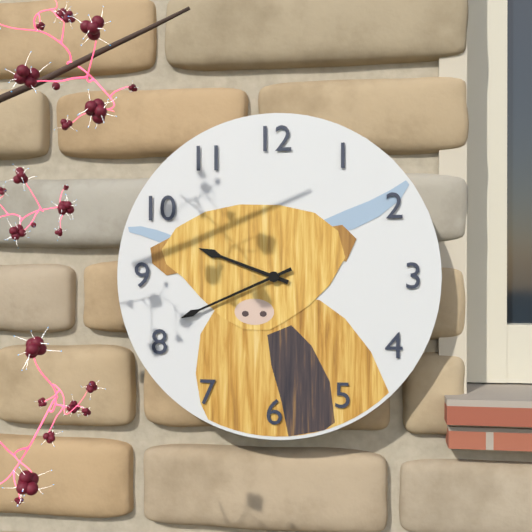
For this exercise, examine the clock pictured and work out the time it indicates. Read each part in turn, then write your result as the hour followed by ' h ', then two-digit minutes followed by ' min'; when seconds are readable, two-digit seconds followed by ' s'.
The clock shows 9 h 41 min
